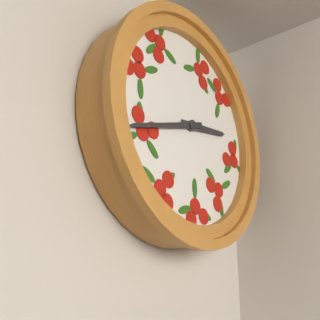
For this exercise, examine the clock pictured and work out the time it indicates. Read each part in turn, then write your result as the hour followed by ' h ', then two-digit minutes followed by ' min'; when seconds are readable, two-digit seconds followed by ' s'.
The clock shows 2 h 42 min
